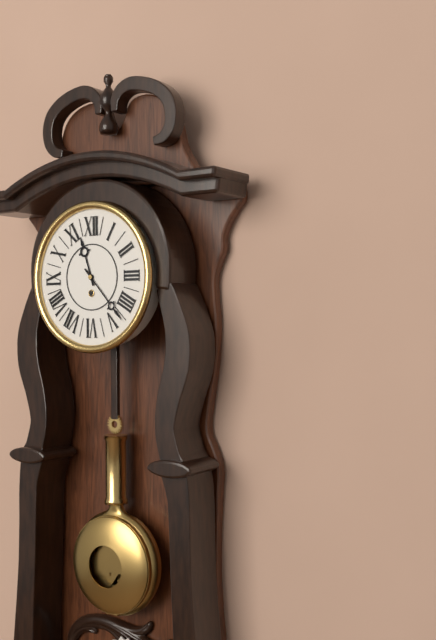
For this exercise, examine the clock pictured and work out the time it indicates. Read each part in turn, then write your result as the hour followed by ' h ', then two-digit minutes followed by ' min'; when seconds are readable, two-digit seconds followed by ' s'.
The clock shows 11 h 23 min
